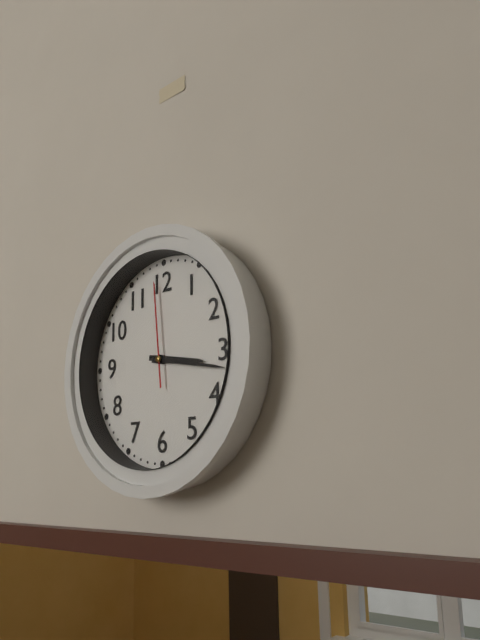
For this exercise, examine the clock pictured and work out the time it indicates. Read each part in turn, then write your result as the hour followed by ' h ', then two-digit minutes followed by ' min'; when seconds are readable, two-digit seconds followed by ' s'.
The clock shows 3 h 17 min 59 s
